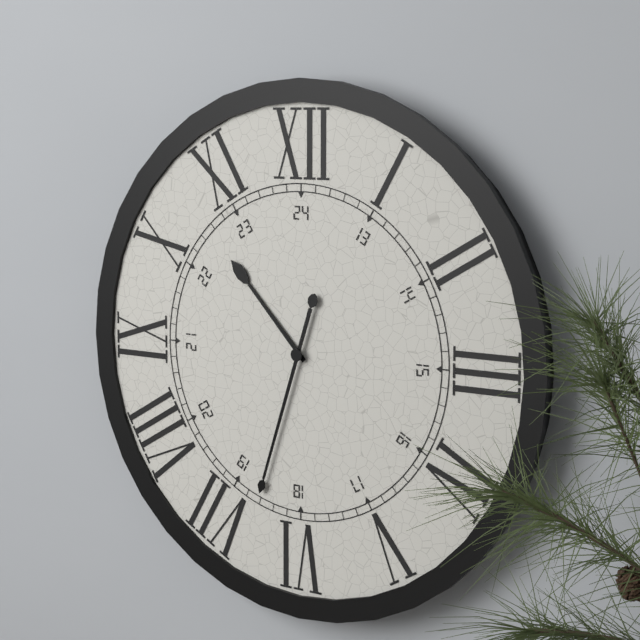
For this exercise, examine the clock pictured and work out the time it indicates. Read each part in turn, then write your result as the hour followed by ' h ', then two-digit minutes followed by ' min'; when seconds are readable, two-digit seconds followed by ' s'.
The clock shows 10 h 33 min
